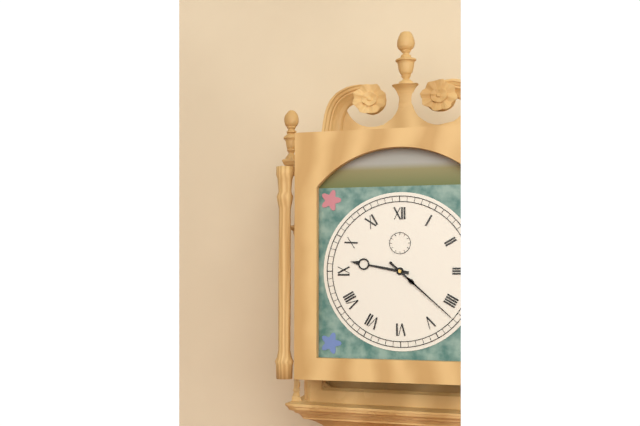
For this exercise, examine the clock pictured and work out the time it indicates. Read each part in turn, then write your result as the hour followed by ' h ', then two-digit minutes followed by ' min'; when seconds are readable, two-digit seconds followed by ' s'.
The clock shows 9 h 22 min
